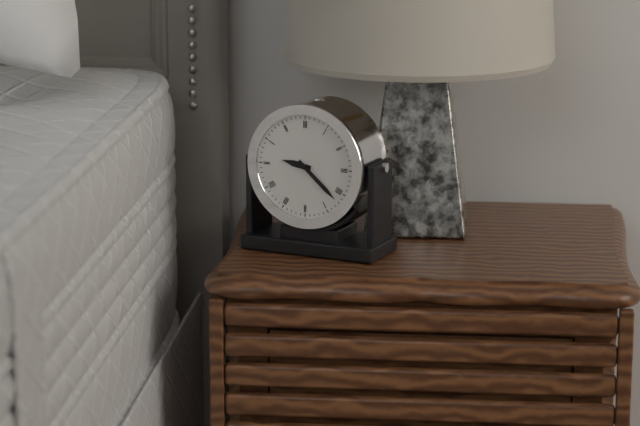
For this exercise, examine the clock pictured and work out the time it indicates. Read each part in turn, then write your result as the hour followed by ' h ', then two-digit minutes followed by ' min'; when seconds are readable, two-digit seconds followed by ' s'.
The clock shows 9 h 22 min
